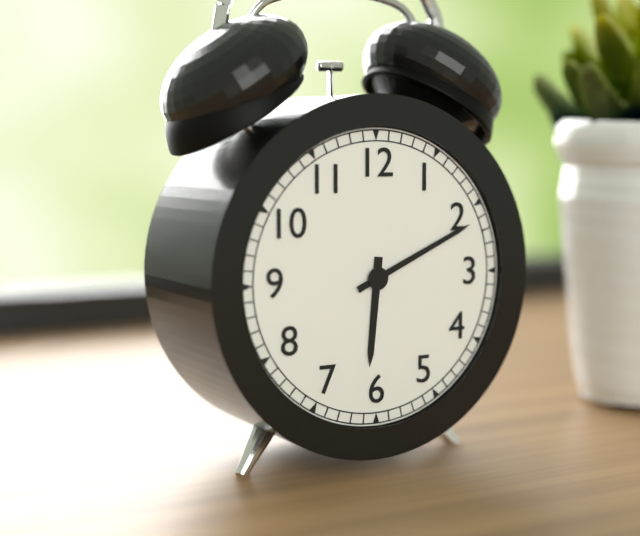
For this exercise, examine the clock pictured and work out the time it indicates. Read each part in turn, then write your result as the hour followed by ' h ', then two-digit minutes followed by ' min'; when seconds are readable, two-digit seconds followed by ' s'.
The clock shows 6 h 11 min
